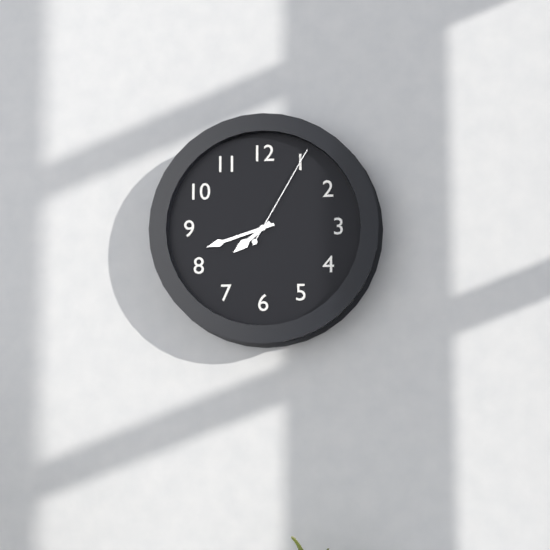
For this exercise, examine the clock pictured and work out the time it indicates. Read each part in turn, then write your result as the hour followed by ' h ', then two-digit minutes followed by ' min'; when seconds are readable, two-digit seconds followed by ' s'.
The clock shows 7 h 42 min 05 s
